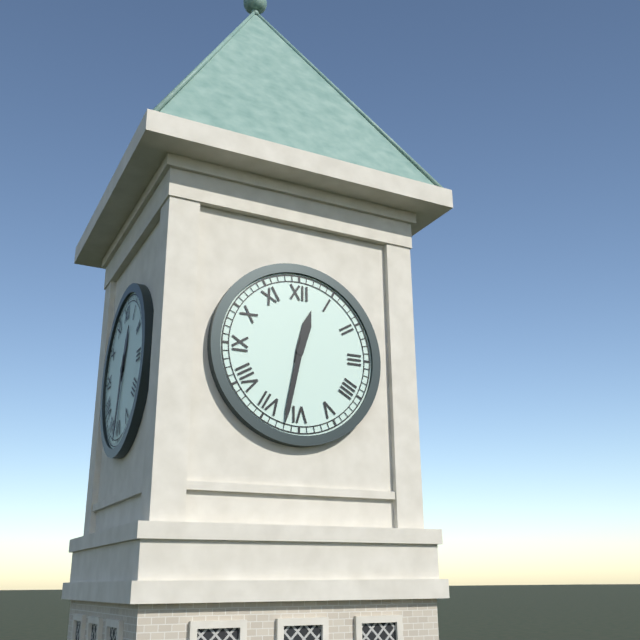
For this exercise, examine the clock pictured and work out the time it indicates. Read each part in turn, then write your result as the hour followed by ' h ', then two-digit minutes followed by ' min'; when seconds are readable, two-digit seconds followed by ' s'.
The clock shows 12 h 32 min
